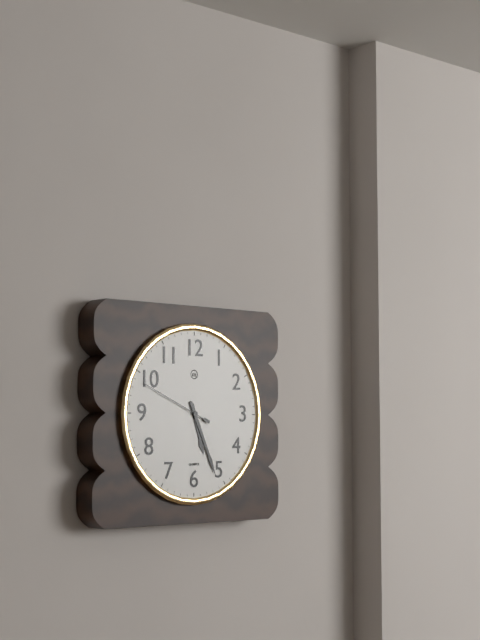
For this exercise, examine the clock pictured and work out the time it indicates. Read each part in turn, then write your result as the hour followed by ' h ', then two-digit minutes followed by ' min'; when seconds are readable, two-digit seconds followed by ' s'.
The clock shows 5 h 26 min 49 s
